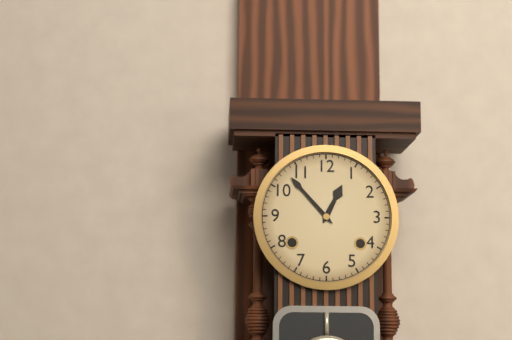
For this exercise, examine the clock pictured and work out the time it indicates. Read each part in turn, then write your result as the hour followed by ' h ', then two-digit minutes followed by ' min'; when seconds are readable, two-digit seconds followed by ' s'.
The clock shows 12 h 53 min
